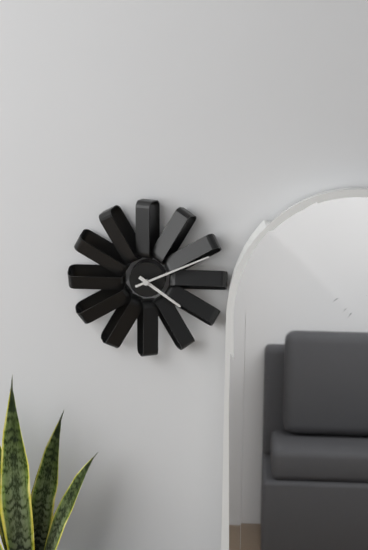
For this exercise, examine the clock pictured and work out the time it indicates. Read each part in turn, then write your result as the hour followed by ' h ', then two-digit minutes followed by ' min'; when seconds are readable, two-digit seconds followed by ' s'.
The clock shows 4 h 11 min
